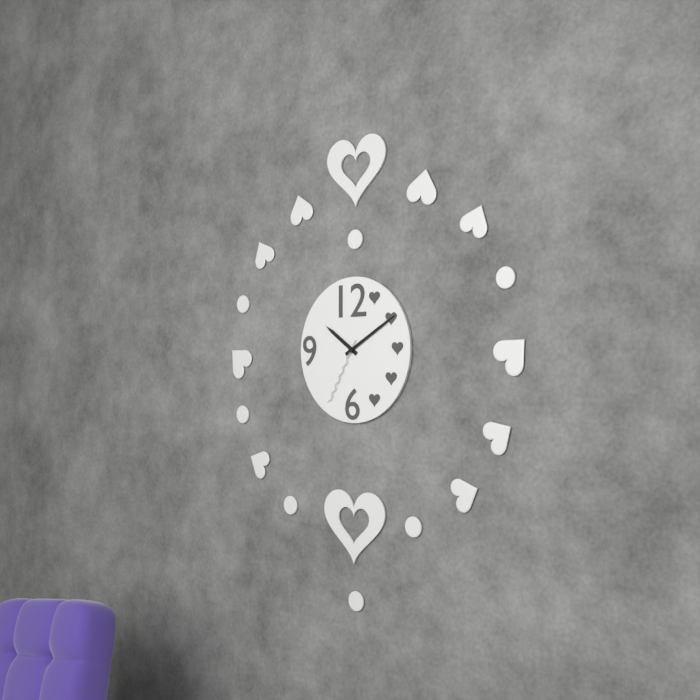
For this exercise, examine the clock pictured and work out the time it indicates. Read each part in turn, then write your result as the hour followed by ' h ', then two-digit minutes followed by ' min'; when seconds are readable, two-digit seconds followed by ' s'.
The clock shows 10 h 10 min 35 s
